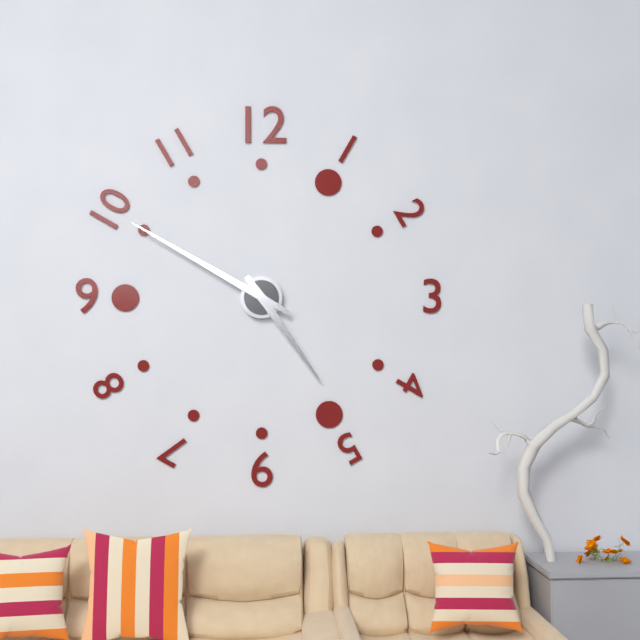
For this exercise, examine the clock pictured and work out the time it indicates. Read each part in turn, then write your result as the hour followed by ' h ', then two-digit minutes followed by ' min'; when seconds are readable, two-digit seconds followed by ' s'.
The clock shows 4 h 50 min
